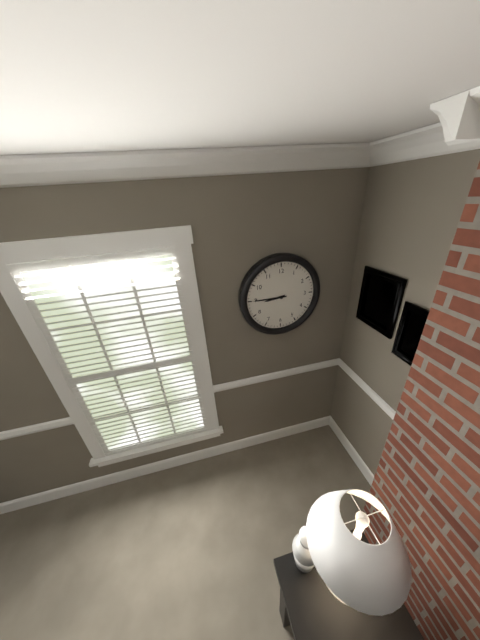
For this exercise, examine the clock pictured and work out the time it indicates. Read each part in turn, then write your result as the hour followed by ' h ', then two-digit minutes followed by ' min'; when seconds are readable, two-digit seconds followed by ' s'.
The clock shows 8 h 45 min
